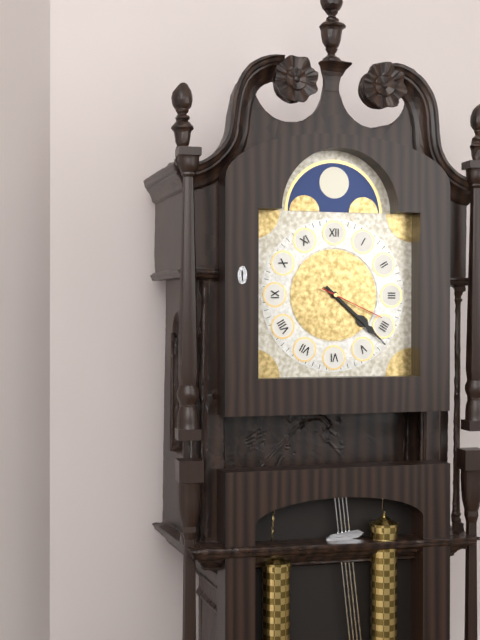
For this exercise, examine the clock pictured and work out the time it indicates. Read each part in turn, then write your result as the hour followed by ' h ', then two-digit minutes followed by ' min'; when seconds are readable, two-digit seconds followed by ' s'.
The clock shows 4 h 22 min 19 s
